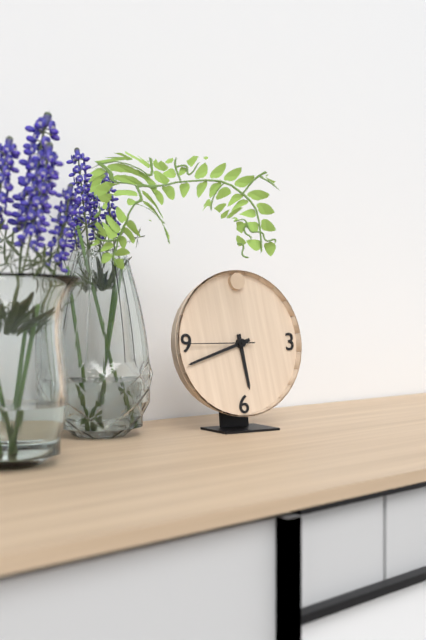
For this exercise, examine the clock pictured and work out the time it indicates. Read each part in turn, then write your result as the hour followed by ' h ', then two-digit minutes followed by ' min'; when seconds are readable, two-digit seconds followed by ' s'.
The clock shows 5 h 42 min 45 s
